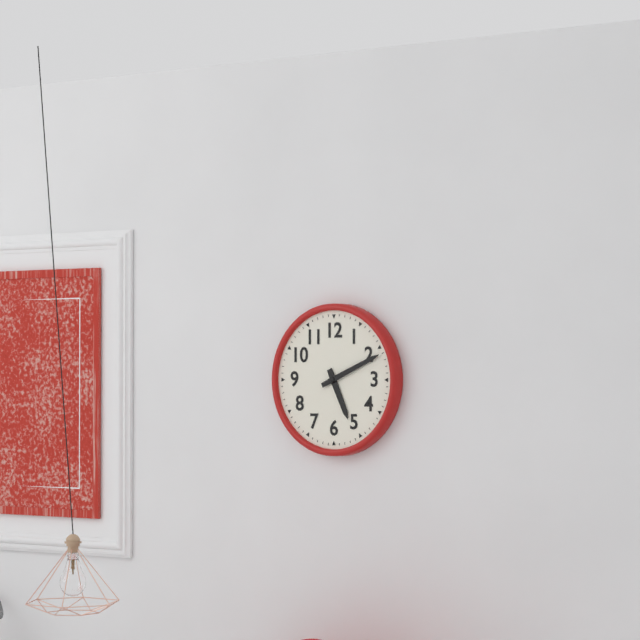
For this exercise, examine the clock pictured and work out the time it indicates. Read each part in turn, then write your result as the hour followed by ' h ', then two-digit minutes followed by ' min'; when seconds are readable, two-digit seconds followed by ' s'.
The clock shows 5 h 11 min
